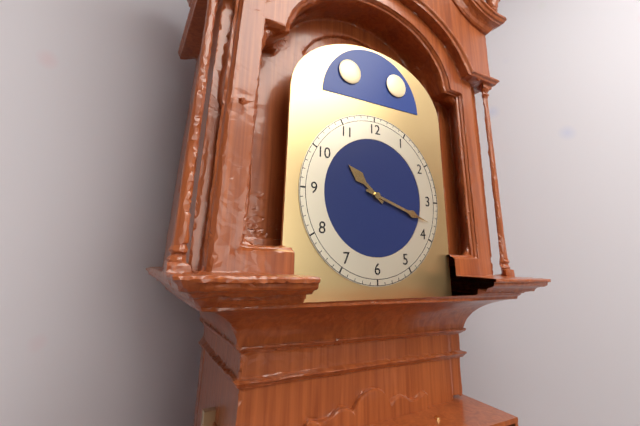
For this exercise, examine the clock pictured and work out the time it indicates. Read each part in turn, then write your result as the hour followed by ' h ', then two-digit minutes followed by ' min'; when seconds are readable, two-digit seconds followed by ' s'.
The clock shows 10 h 18 min
